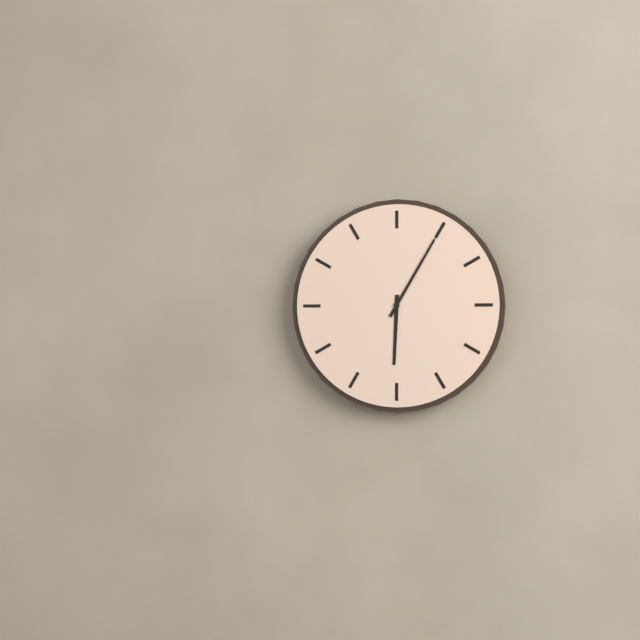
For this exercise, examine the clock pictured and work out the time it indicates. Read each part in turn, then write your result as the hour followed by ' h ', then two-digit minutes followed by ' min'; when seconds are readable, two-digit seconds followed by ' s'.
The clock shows 6 h 05 min
